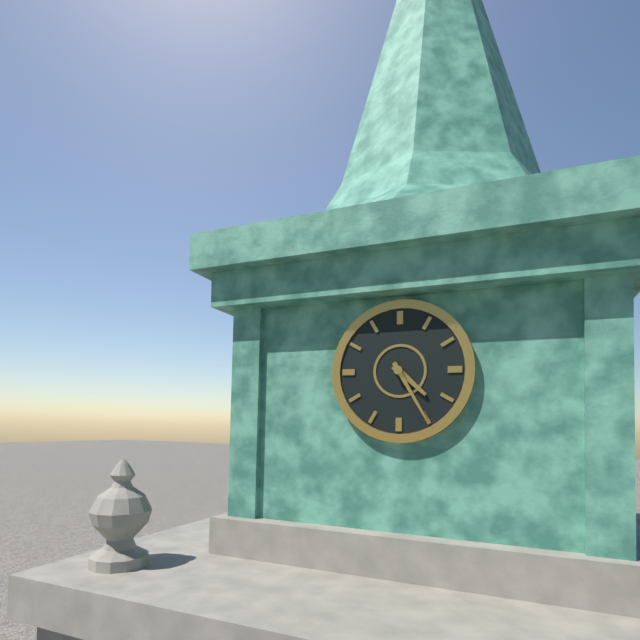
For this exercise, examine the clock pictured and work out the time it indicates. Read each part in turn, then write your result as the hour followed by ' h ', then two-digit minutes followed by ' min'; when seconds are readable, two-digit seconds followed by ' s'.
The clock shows 4 h 25 min
